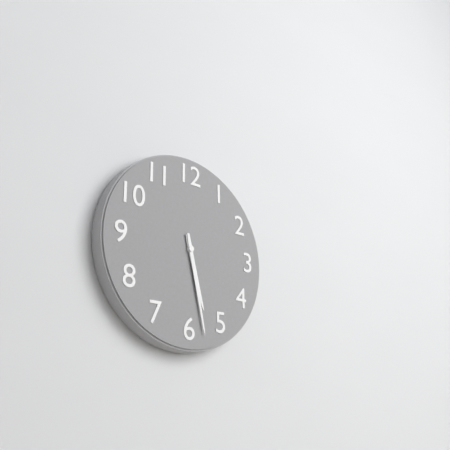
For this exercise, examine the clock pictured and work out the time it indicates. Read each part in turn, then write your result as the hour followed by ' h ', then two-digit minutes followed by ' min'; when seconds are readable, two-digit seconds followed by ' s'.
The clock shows 5 h 28 min
